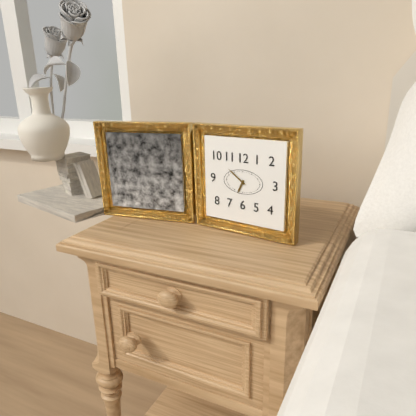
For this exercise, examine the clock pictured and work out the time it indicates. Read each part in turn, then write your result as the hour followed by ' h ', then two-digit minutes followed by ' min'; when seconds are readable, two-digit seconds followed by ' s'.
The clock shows 6 h 51 min
